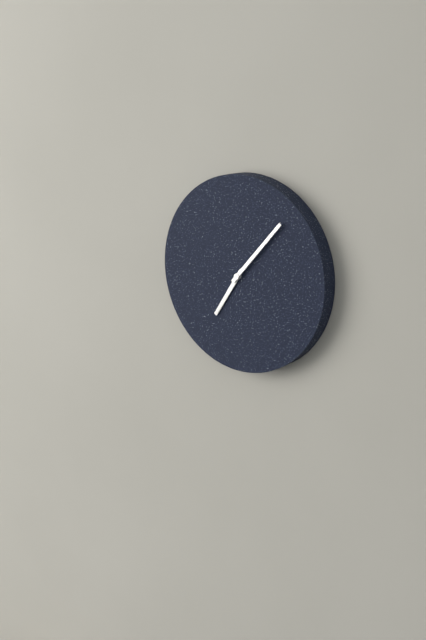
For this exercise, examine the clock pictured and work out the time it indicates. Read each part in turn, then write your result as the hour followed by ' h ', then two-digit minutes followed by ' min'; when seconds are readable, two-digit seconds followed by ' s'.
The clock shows 7 h 07 min
